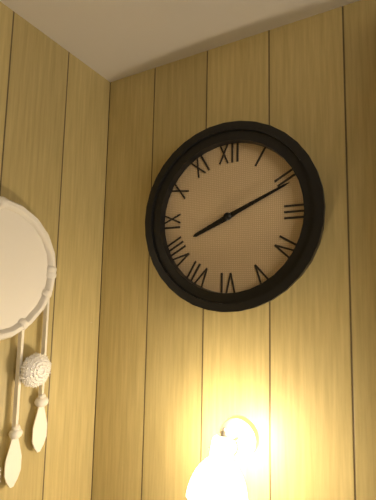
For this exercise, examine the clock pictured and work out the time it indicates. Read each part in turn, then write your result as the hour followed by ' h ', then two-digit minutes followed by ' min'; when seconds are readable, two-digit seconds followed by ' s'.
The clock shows 8 h 11 min
